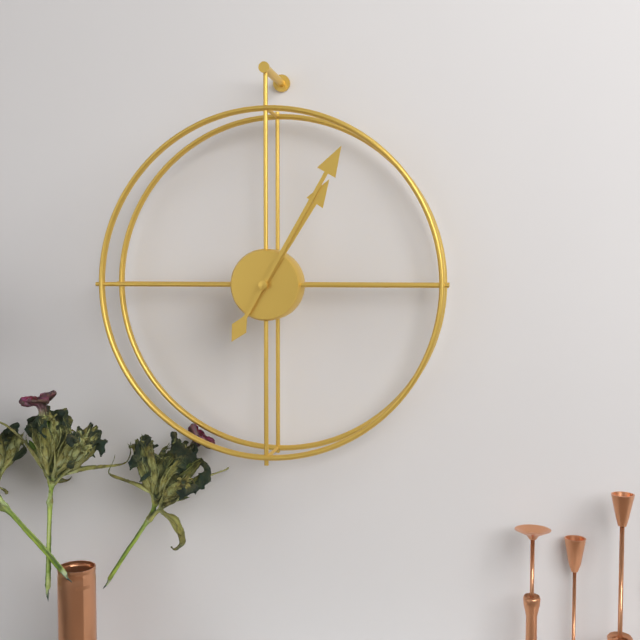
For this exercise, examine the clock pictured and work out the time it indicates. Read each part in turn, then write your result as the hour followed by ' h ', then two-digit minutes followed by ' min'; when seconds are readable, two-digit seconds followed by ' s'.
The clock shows 1 h 05 min
